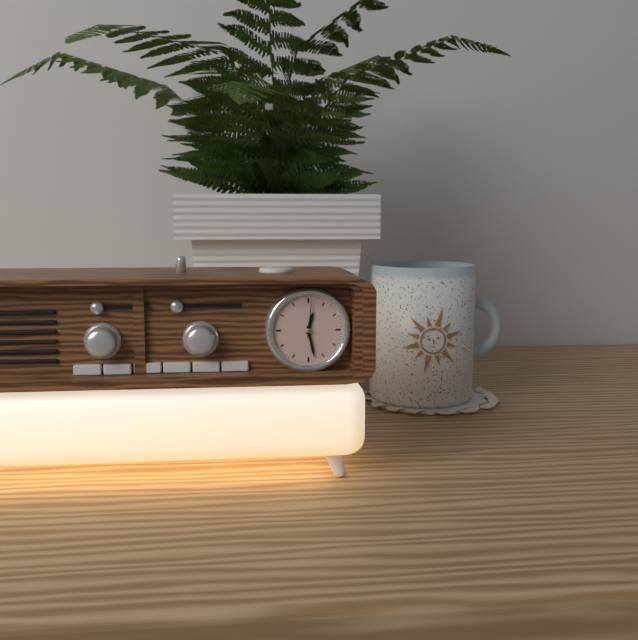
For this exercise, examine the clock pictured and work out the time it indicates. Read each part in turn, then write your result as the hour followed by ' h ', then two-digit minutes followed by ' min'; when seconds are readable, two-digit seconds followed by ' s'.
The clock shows 12 h 28 min
